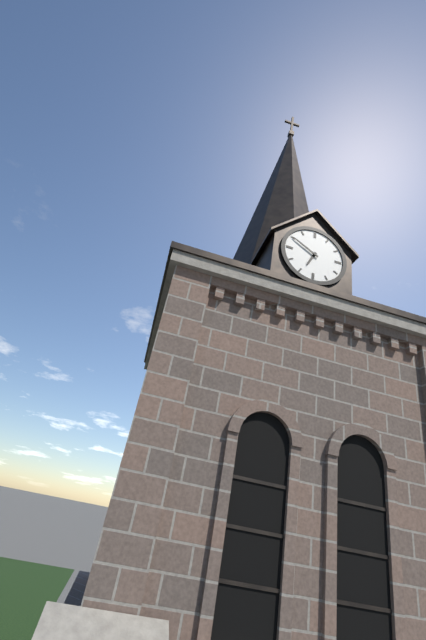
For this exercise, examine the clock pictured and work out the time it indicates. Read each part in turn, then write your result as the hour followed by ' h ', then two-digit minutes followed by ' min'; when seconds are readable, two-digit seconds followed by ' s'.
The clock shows 6 h 50 min
